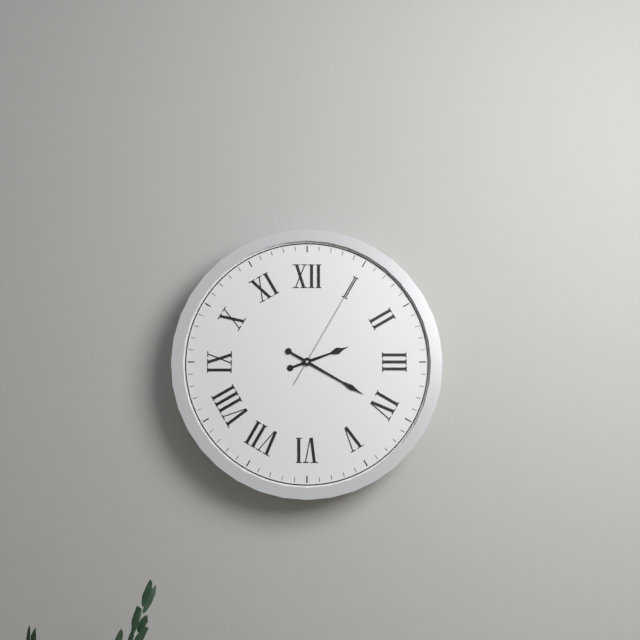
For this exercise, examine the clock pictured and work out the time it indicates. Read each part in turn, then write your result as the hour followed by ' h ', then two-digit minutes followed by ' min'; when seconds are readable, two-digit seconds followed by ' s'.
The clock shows 2 h 20 min 05 s
